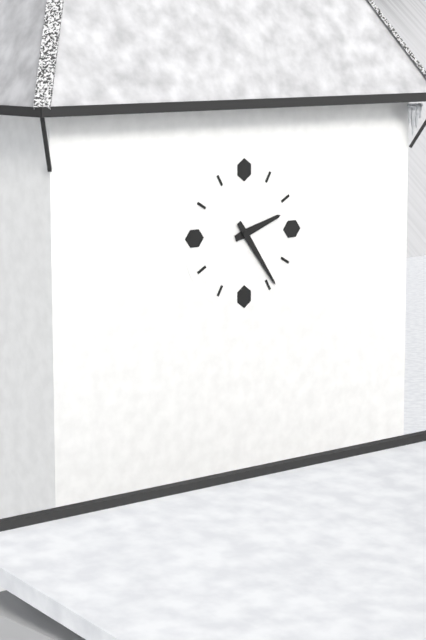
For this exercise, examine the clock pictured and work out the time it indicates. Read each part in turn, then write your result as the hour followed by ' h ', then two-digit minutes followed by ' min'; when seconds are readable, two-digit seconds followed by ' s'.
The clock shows 2 h 24 min
